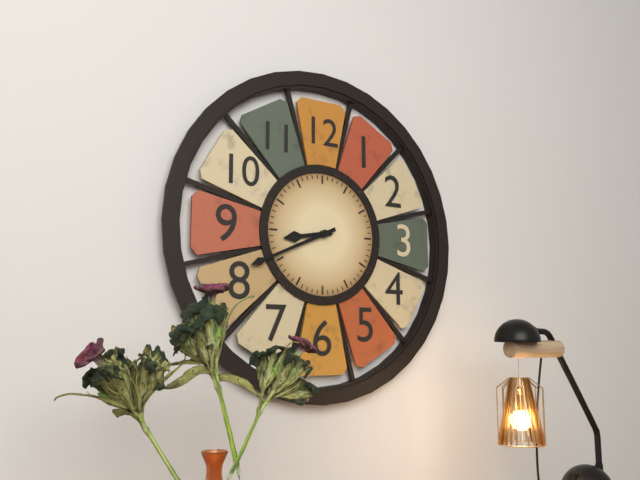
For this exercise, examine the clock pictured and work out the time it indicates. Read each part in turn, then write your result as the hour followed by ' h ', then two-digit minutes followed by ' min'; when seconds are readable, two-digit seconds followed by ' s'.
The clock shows 8 h 41 min
